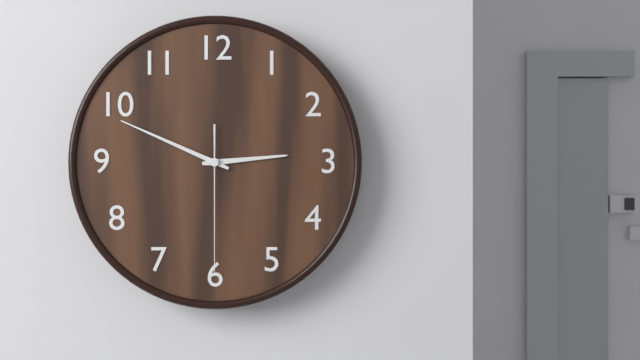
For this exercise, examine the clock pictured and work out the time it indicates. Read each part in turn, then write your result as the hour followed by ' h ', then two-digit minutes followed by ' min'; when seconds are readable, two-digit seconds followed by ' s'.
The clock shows 2 h 49 min 30 s
